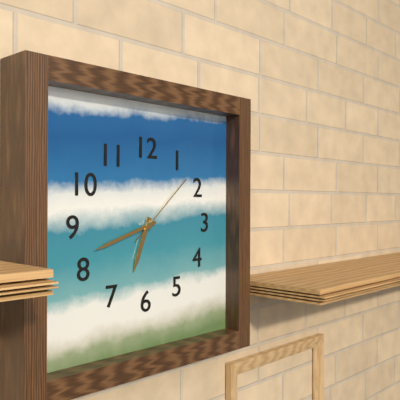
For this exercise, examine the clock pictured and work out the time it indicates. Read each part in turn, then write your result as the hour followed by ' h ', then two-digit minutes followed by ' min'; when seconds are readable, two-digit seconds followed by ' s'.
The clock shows 6 h 42 min 08 s
